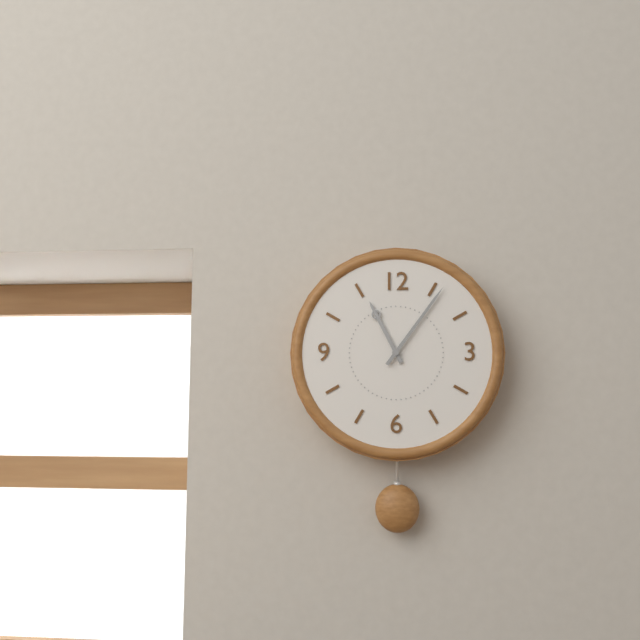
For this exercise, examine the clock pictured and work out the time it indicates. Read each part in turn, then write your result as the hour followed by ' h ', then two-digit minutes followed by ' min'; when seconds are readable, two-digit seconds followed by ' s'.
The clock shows 11 h 06 min
